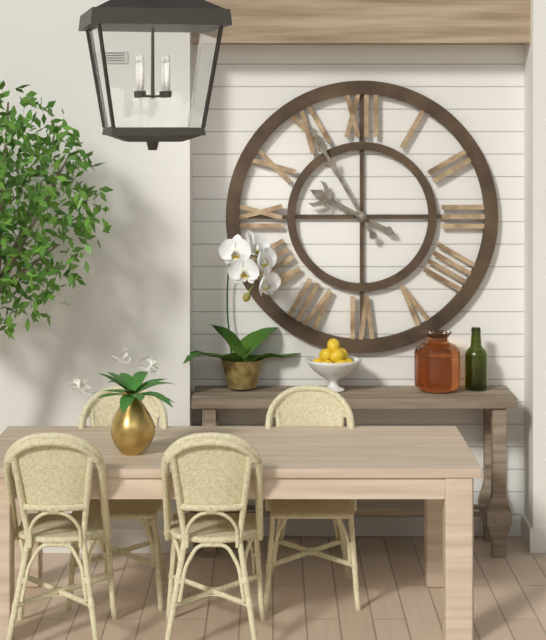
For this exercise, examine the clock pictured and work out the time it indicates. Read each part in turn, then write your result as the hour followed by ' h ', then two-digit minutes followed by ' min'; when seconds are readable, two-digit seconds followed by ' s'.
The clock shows 9 h 55 min
